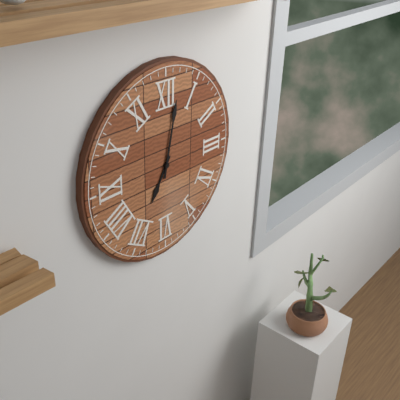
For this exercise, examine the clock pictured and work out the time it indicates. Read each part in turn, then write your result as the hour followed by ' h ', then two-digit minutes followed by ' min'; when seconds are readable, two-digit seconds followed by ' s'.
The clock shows 7 h 02 min
